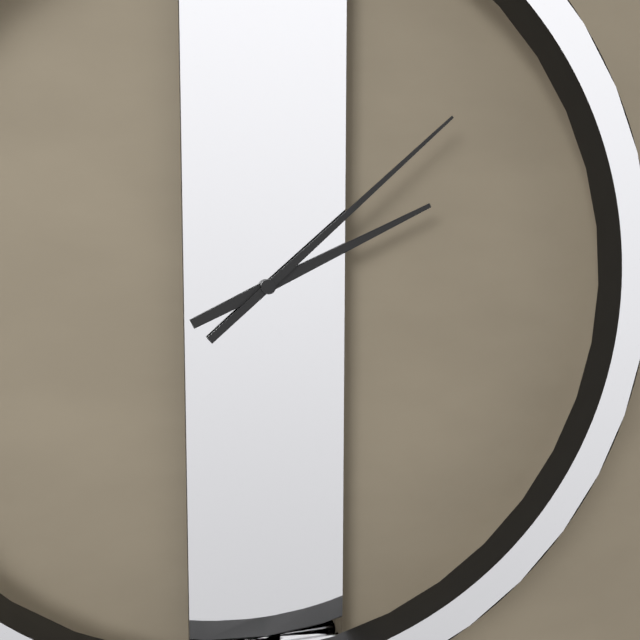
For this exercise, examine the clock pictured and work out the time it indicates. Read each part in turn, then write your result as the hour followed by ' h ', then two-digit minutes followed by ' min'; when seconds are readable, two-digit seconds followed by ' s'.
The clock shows 2 h 08 min
